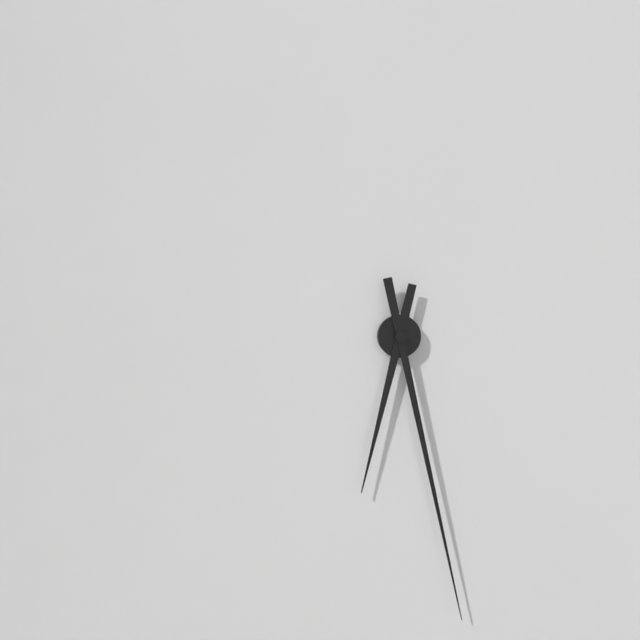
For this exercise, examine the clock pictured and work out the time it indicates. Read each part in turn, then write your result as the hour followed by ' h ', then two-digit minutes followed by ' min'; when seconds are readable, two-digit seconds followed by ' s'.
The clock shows 6 h 28 min
